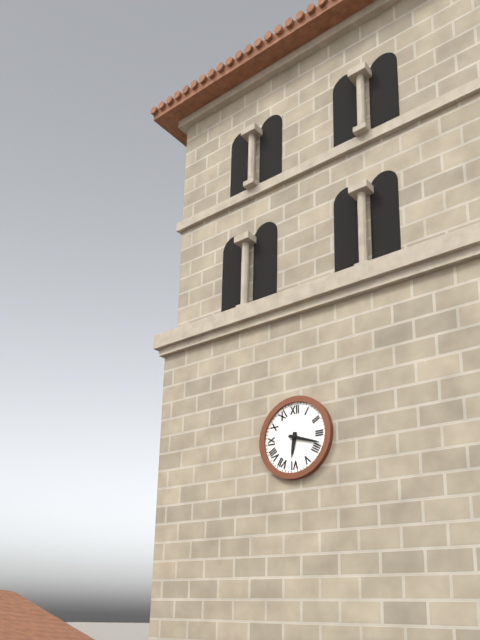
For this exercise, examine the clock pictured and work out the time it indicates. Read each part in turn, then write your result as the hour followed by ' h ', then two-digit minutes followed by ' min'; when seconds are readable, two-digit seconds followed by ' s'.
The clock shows 6 h 18 min
